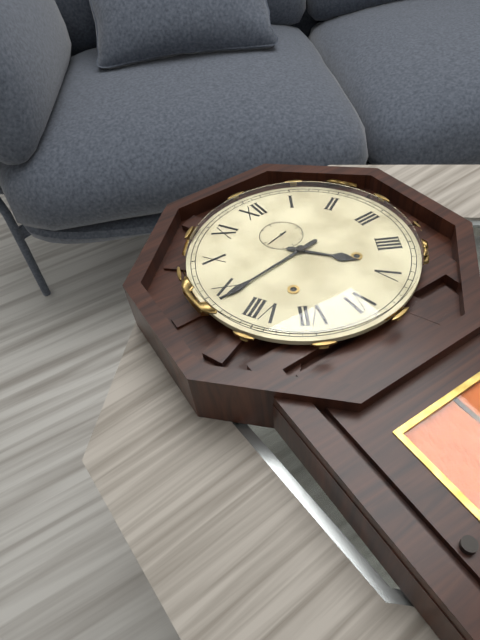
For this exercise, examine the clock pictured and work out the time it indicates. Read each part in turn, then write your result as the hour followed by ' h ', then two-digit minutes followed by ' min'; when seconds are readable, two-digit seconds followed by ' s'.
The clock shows 4 h 44 min
